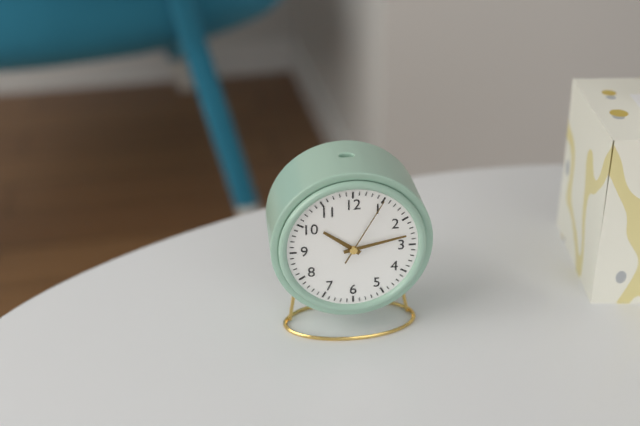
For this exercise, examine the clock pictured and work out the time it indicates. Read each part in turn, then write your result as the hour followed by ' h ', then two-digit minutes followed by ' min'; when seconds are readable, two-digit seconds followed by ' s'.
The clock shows 10 h 13 min 05 s
